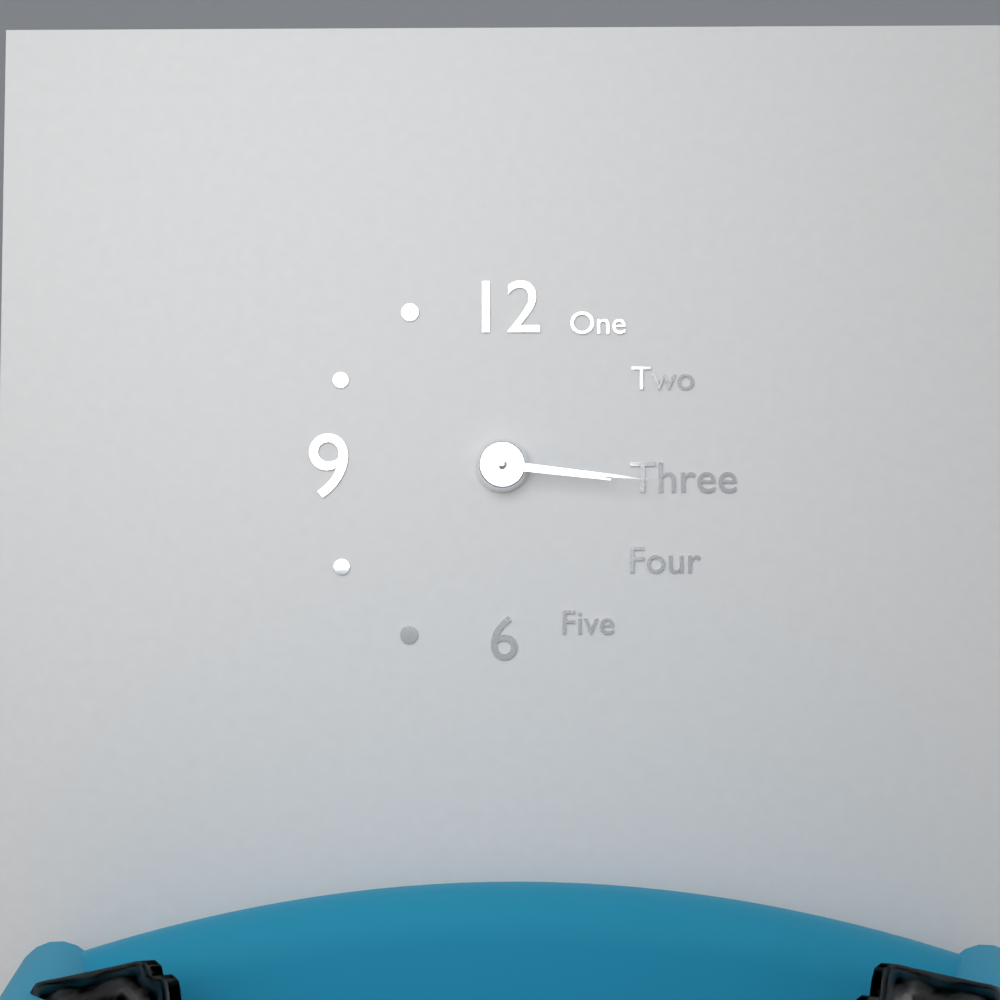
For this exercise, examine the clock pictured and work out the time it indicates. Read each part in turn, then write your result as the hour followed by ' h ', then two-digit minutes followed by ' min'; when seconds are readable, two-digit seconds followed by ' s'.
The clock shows 3 h 16 min
